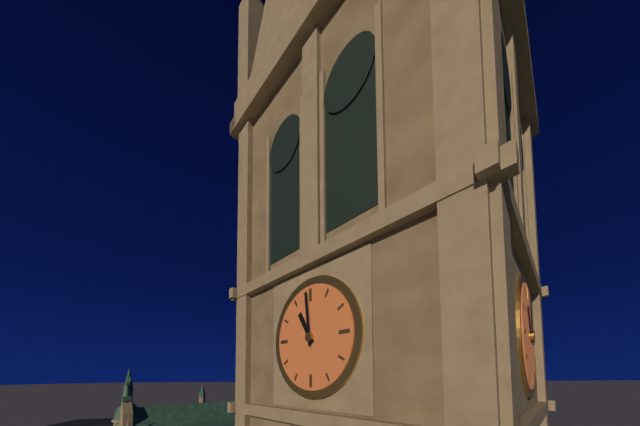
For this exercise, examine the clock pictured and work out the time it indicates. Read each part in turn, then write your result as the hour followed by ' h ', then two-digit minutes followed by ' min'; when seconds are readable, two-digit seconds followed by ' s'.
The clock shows 10 h 59 min
